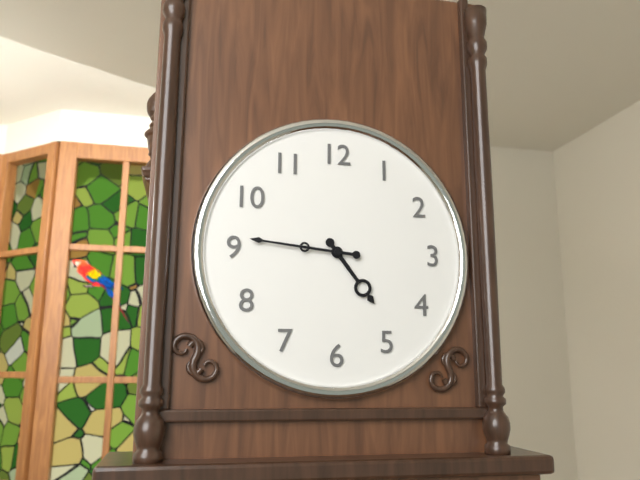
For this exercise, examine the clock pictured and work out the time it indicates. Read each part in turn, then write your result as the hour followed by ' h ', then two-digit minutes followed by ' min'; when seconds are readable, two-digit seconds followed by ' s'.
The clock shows 4 h 46 min
